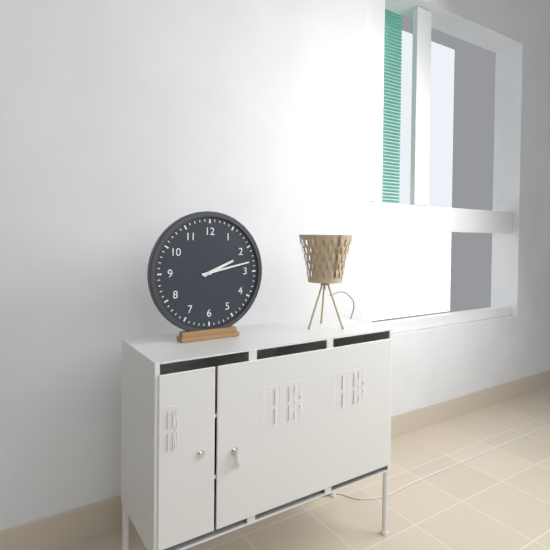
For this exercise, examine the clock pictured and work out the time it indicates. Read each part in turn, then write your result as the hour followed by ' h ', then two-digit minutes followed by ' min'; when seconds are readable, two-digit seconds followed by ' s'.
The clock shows 2 h 13 min
